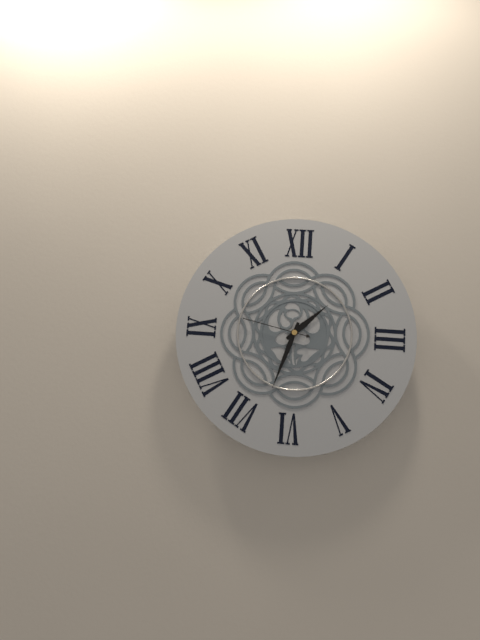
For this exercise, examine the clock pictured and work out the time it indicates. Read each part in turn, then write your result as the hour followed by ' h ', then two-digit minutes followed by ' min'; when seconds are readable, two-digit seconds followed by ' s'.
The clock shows 1 h 33 min 47 s
